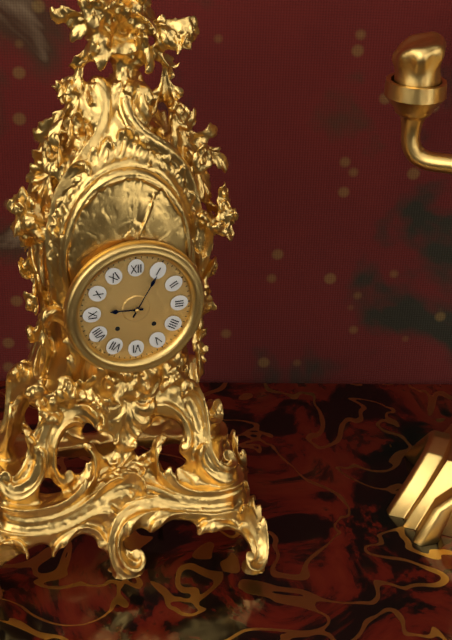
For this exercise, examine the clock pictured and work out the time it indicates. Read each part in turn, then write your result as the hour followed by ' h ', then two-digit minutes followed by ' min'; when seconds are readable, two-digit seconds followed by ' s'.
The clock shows 9 h 05 min
